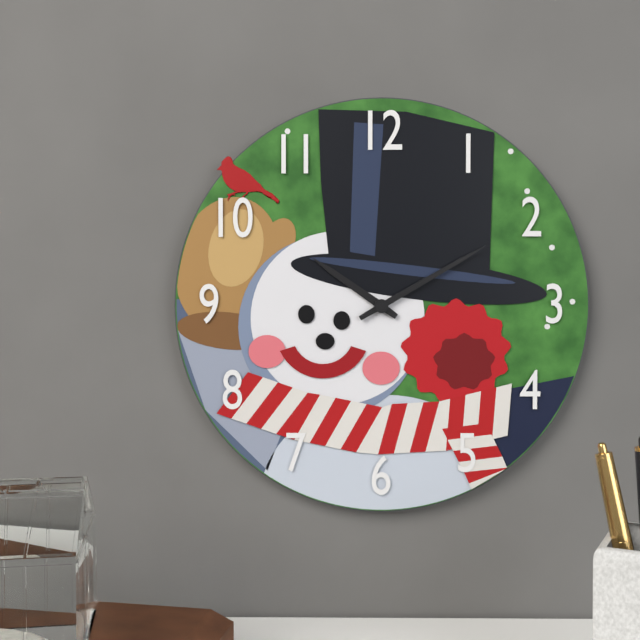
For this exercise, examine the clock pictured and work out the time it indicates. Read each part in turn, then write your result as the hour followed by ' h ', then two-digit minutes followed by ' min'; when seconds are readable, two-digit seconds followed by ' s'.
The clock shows 10 h 10 min
